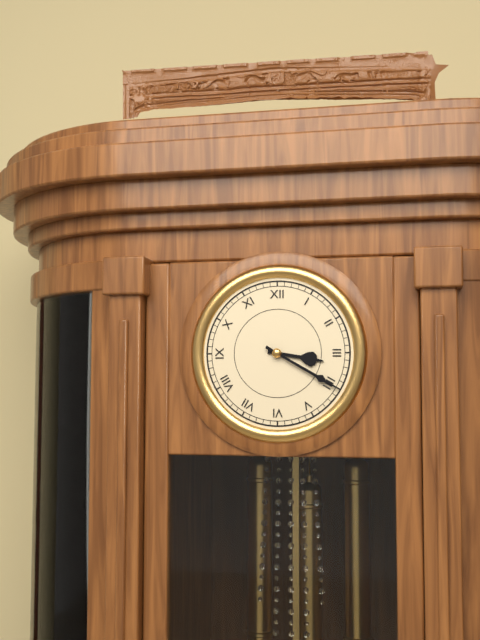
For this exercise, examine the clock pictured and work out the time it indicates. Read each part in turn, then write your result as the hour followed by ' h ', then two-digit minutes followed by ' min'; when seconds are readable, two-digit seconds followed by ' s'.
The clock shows 3 h 20 min
